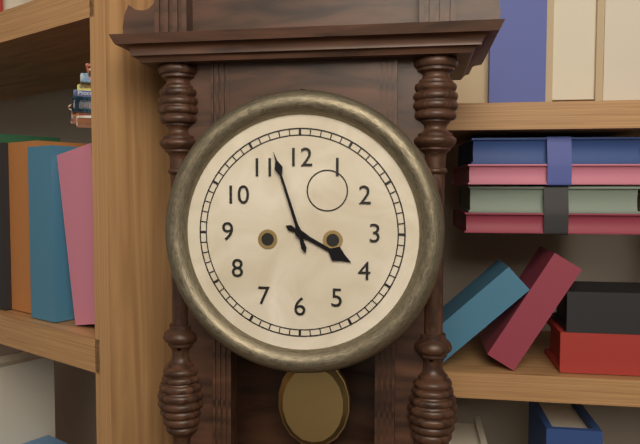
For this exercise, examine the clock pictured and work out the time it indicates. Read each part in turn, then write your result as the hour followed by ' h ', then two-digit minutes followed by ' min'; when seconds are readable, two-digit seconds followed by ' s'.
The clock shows 3 h 57 min
